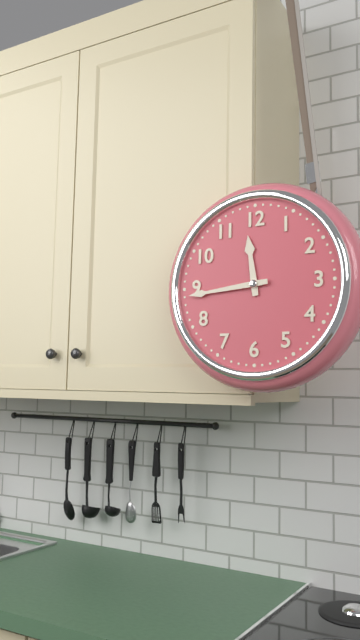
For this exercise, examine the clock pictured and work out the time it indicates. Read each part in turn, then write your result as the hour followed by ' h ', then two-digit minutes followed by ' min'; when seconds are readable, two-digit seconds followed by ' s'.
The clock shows 11 h 44 min
